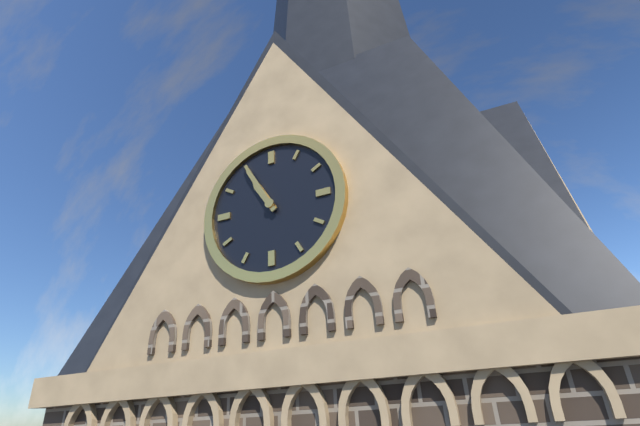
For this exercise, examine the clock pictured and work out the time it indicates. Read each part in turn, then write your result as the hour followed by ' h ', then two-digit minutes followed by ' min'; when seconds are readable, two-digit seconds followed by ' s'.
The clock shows 10 h 55 min
